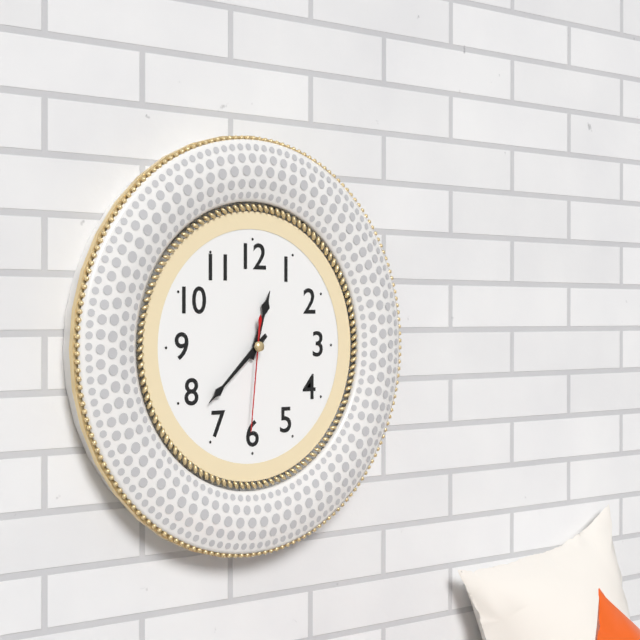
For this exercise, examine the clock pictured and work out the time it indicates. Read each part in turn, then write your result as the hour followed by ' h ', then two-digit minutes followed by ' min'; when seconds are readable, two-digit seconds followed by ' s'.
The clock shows 12 h 38 min 31 s
